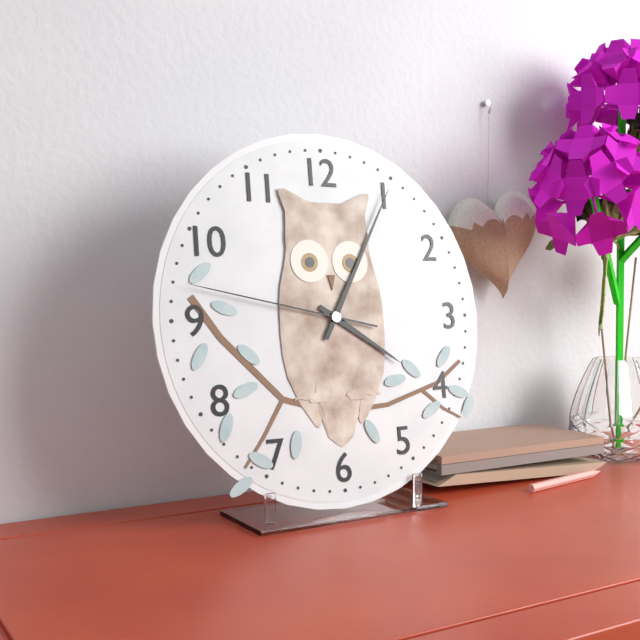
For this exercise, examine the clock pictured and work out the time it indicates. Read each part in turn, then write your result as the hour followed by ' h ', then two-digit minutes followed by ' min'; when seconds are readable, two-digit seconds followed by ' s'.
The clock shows 4 h 05 min 47 s
